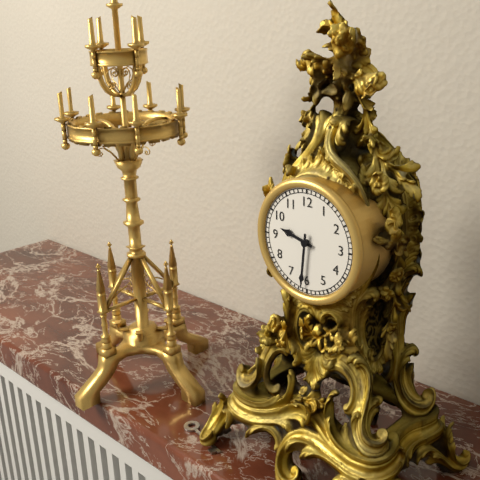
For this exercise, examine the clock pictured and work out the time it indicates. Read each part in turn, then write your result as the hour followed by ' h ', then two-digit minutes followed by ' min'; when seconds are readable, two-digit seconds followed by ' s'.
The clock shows 9 h 31 min
